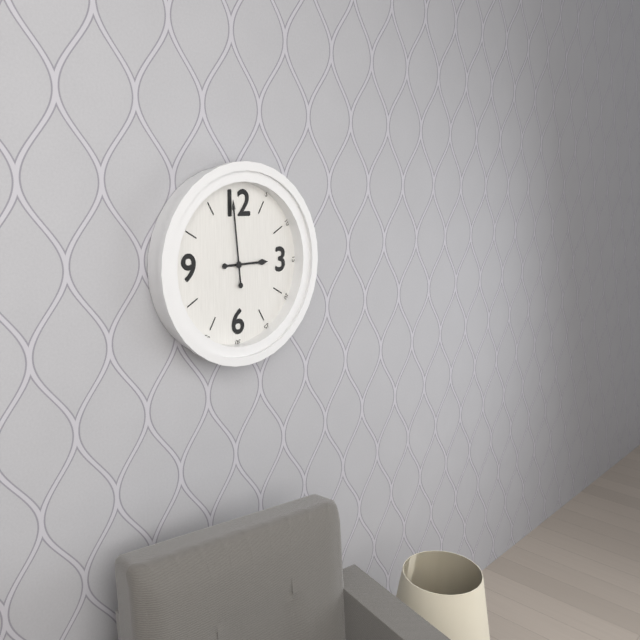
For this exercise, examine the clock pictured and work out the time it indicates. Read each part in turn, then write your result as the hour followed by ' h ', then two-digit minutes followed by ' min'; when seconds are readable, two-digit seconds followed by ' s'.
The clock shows 2 h 59 min
